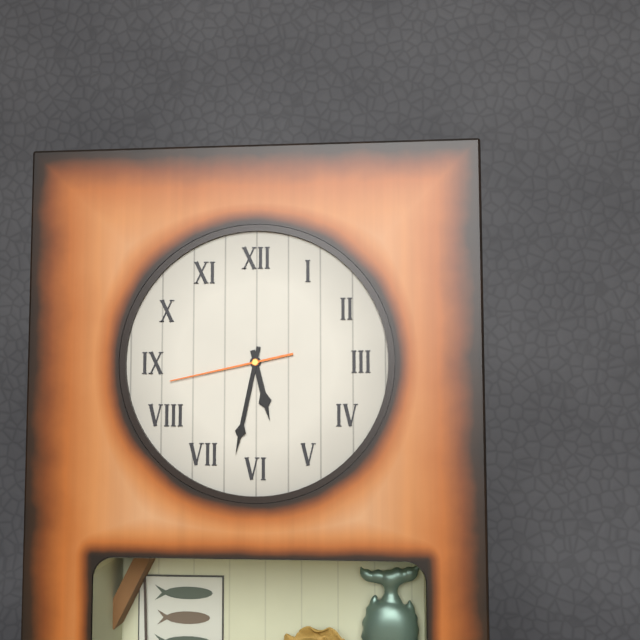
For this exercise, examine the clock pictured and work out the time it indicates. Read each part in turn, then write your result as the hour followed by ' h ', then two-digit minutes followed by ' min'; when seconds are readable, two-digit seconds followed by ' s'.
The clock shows 5 h 32 min 43 s
